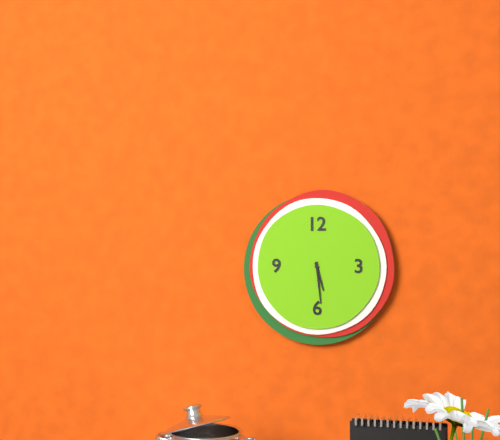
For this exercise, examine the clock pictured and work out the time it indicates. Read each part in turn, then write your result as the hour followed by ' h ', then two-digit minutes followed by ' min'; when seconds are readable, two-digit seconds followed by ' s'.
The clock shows 5 h 29 min
